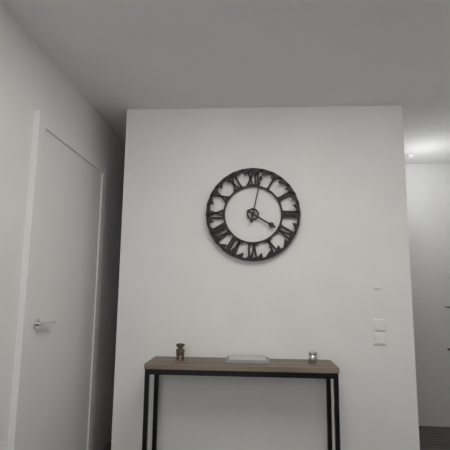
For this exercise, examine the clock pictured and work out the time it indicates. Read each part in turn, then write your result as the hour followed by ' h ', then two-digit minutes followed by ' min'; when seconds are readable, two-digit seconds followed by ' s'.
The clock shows 4 h 02 min
